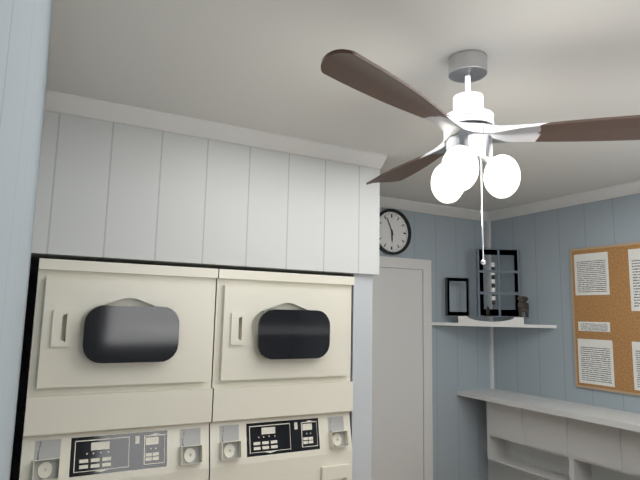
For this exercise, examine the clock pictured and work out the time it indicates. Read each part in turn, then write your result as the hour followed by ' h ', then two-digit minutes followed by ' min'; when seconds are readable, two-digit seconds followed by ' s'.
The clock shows 5 h 56 min
